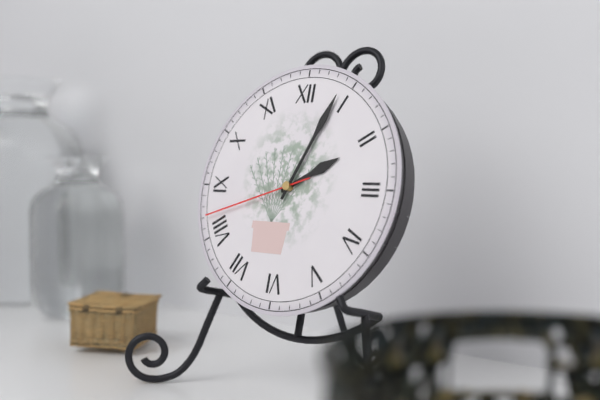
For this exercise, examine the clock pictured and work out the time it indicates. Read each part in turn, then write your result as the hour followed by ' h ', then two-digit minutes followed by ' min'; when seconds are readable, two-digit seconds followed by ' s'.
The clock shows 2 h 04 min 42 s
